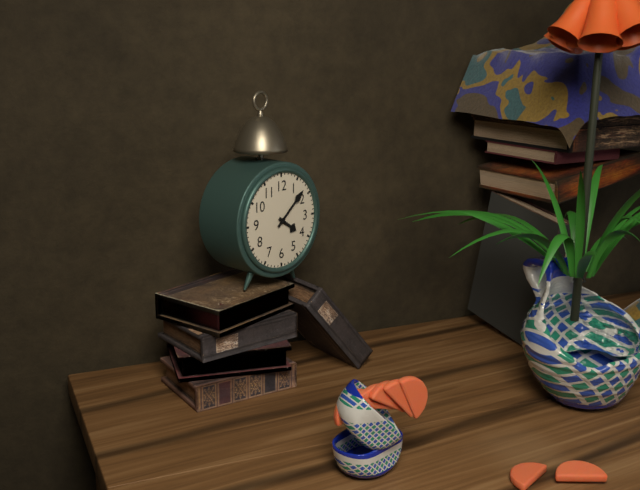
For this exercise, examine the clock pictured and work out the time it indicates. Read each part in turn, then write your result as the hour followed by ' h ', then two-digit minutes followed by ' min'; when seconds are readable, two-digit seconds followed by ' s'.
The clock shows 4 h 08 min
